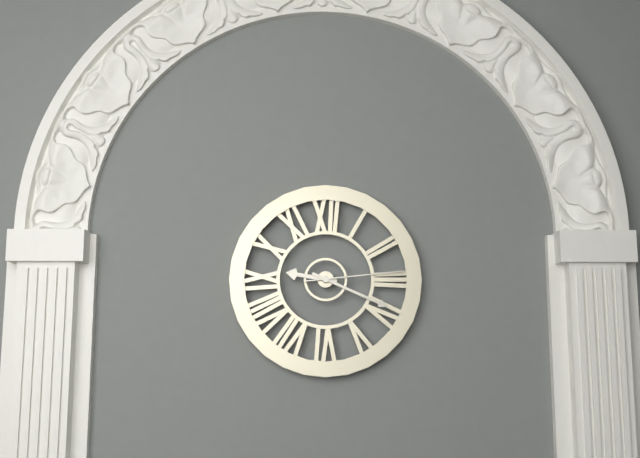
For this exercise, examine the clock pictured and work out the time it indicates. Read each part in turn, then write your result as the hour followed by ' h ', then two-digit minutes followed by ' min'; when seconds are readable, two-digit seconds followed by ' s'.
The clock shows 9 h 19 min 14 s
